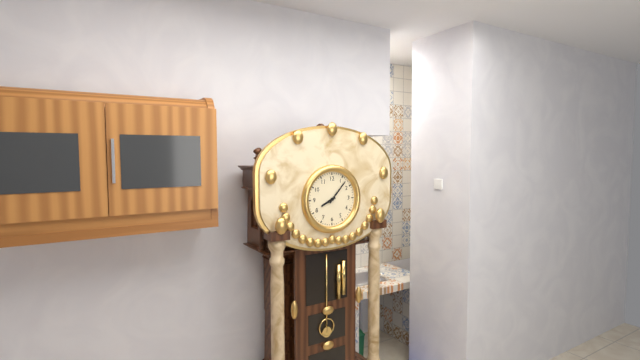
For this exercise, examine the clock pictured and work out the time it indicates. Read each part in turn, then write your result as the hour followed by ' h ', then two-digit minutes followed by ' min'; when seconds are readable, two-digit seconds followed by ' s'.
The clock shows 8 h 07 min
